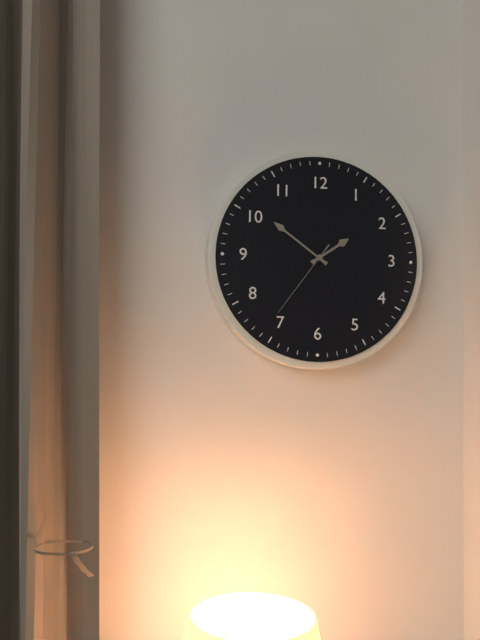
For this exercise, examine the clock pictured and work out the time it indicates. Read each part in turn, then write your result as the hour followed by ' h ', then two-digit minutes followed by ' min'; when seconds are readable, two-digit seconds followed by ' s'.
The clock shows 1 h 51 min 36 s
